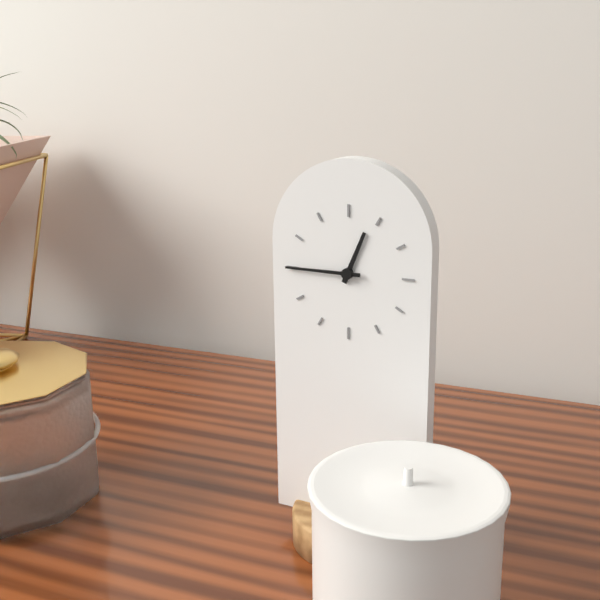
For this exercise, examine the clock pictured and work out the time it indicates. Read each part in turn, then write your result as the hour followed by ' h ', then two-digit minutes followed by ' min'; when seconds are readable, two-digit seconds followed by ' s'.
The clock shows 12 h 45 min
